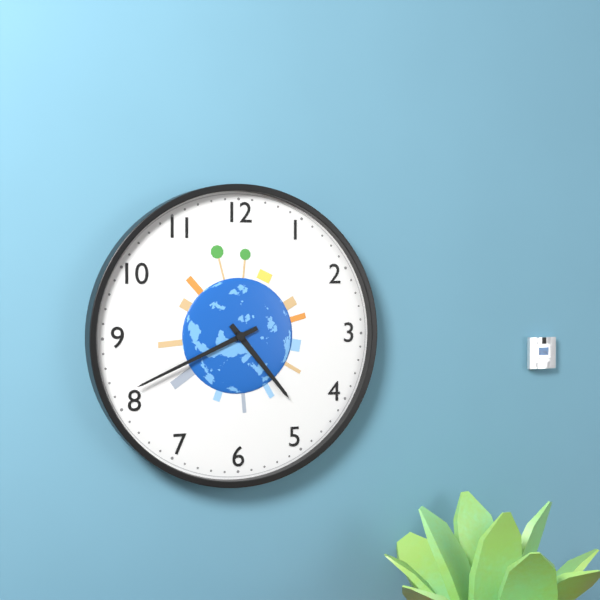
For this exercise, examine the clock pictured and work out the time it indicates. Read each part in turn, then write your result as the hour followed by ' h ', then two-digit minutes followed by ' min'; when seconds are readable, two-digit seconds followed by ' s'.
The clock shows 4 h 41 min
